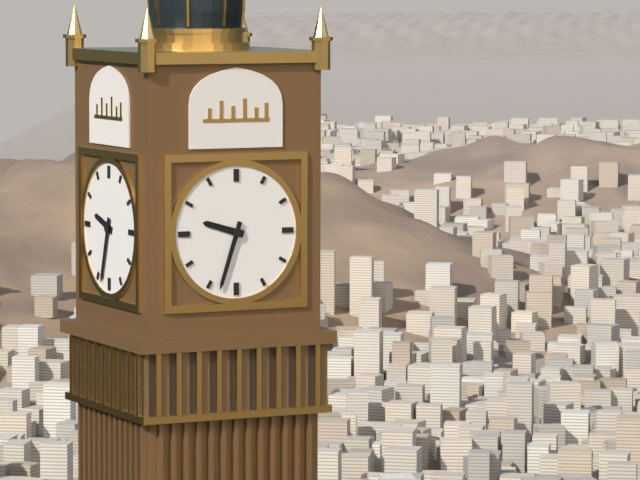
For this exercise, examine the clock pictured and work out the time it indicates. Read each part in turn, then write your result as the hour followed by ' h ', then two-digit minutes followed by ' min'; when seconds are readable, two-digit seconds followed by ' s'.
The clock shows 9 h 33 min
